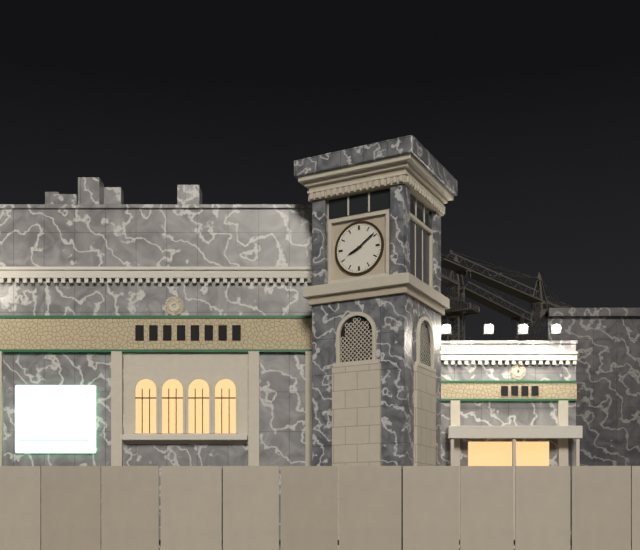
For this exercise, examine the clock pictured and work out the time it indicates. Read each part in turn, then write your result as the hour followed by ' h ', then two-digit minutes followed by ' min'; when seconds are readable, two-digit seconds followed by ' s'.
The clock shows 8 h 09 min
